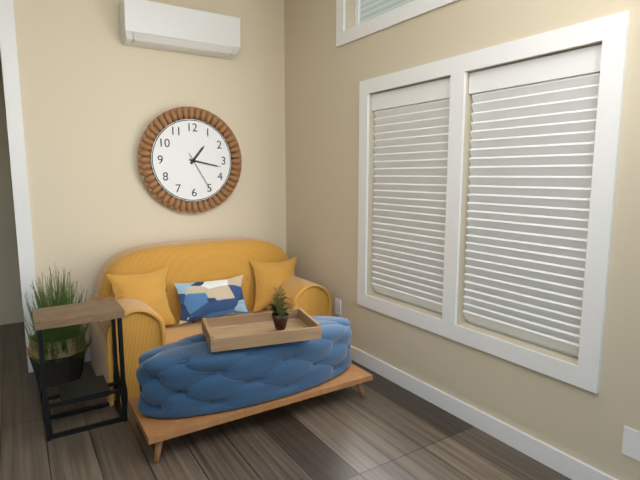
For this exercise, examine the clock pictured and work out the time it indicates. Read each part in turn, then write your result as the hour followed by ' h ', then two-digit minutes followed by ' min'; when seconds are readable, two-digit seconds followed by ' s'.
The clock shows 1 h 17 min
